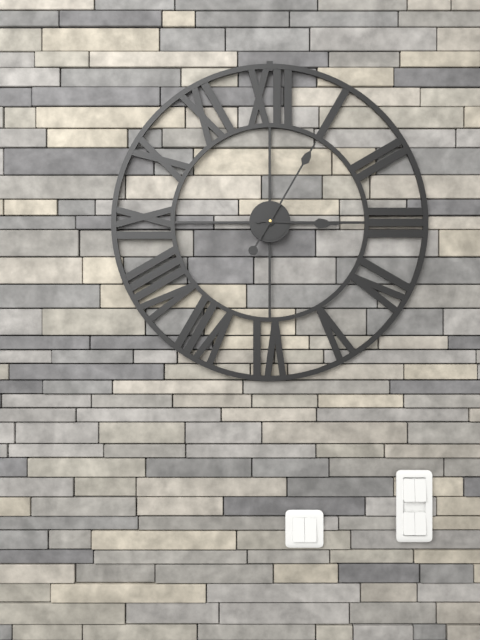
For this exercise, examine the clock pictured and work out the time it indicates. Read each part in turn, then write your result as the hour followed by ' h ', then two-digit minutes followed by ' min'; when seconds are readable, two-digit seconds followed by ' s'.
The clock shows 3 h 05 min
